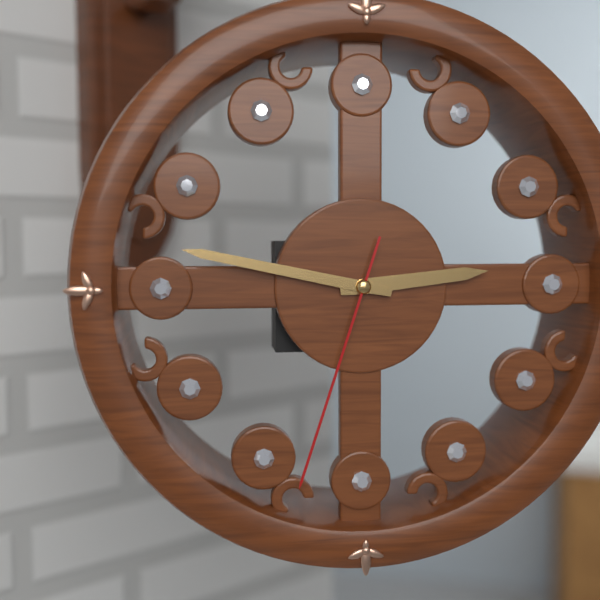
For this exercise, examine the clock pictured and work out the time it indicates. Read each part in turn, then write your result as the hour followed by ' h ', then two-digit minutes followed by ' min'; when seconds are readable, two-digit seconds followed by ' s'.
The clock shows 2 h 47 min 33 s
